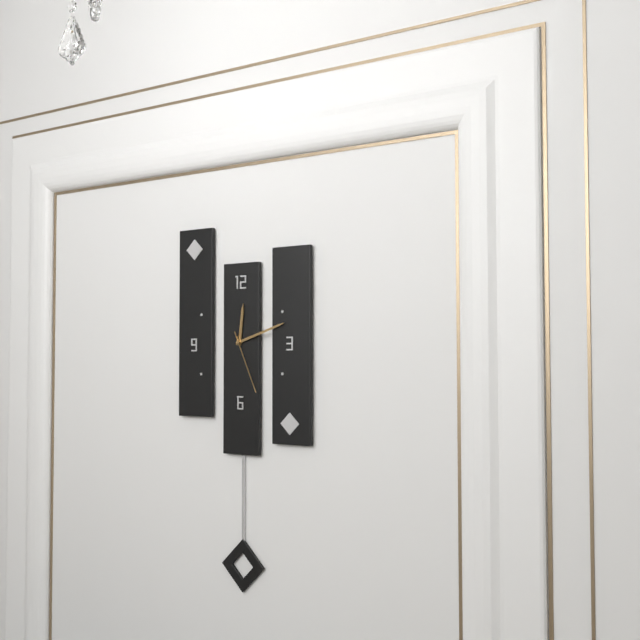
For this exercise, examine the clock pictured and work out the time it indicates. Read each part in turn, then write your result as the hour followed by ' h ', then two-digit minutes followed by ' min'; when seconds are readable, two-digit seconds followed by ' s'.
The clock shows 12 h 12 min 26 s
